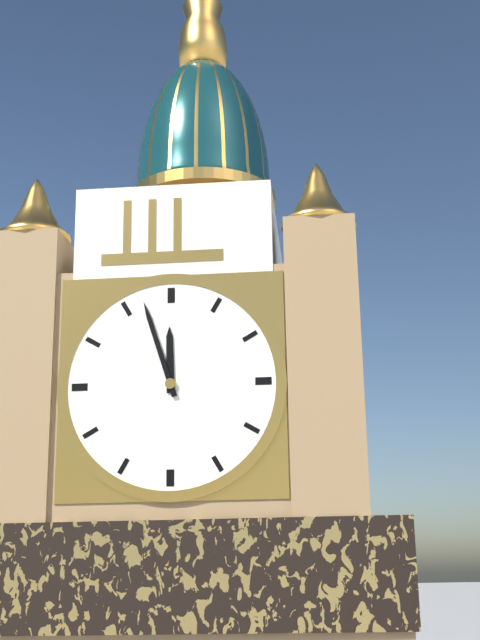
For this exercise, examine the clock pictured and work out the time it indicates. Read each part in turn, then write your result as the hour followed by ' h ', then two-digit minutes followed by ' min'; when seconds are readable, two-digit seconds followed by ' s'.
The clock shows 11 h 57 min
